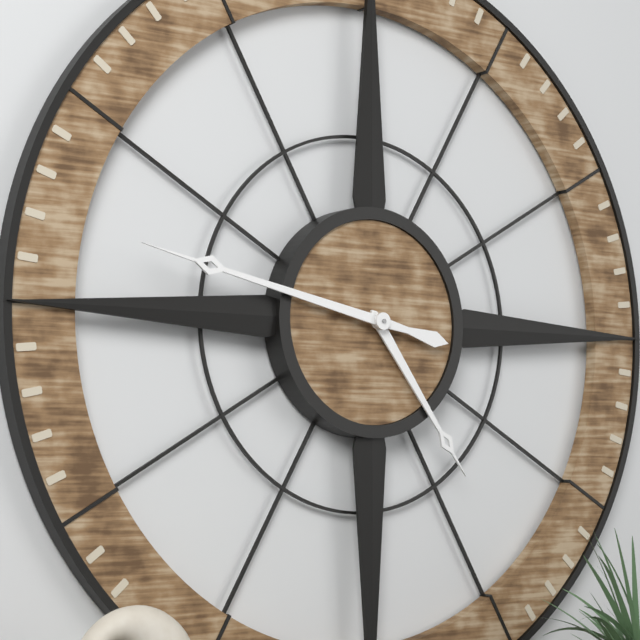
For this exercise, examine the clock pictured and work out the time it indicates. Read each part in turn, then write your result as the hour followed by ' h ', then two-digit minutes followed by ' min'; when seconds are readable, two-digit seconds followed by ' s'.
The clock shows 4 h 47 min
